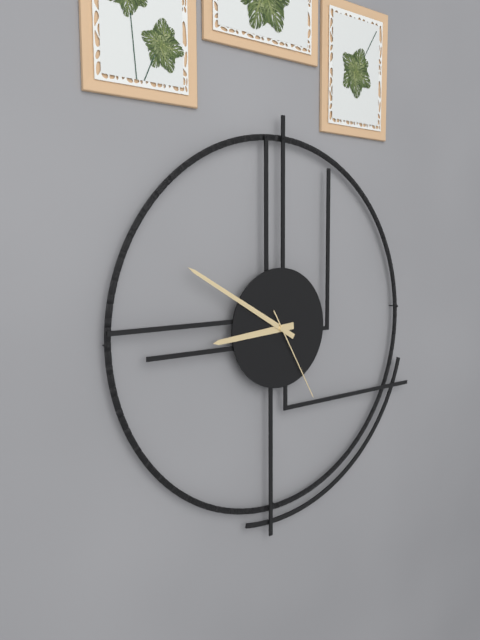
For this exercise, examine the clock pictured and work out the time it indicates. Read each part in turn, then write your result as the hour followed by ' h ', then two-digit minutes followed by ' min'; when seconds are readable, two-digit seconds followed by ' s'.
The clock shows 8 h 50 min 25 s
